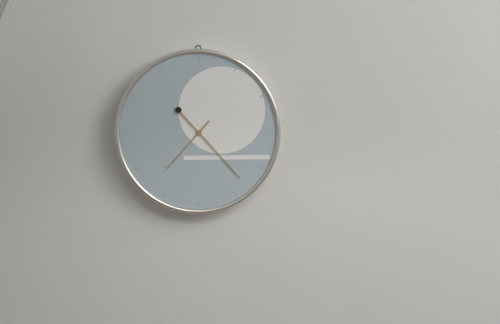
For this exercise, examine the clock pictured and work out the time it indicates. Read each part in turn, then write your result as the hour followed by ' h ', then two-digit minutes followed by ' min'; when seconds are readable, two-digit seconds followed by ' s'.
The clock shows 7 h 23 min
